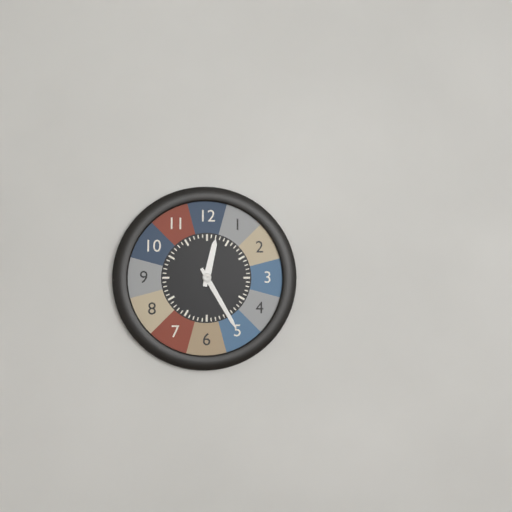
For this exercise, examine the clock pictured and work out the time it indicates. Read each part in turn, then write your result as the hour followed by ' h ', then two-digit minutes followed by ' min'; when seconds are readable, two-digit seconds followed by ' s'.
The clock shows 12 h 25 min
